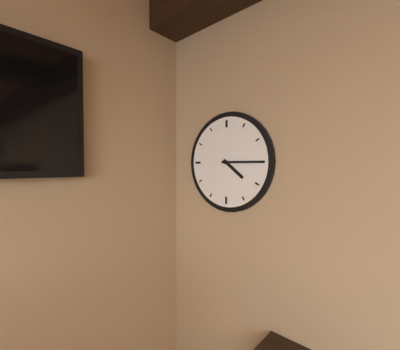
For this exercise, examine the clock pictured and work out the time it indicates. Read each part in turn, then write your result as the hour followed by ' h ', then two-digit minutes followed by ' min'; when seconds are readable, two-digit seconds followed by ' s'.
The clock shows 4 h 15 min
